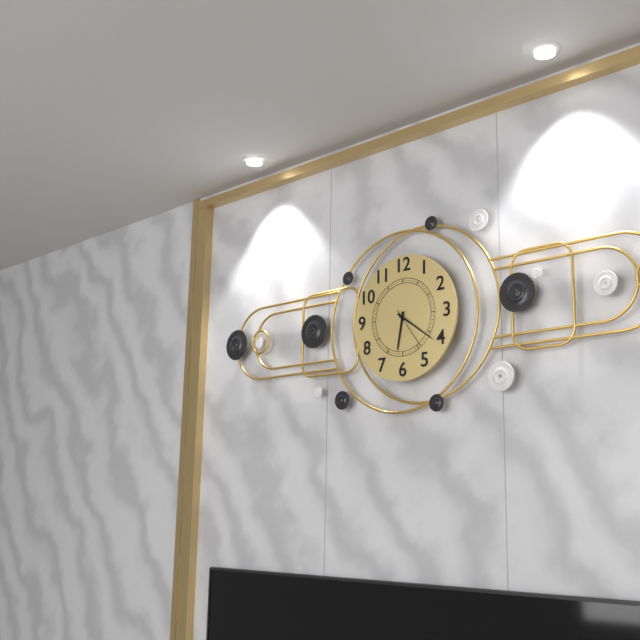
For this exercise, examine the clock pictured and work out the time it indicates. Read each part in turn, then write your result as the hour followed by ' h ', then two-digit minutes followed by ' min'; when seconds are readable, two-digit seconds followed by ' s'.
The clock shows 6 h 21 min
